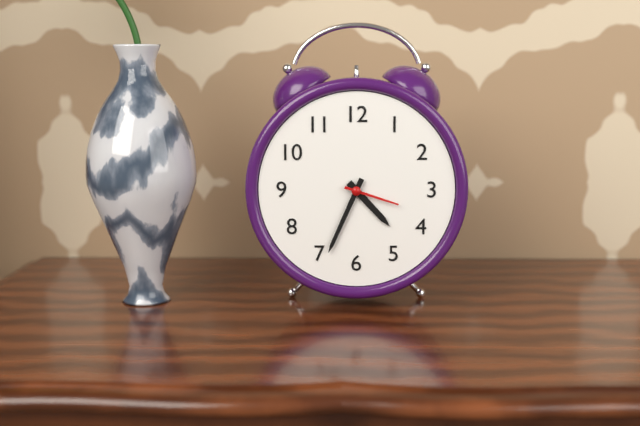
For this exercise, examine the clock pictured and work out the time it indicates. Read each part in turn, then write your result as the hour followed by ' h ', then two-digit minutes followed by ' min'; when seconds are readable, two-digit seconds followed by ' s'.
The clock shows 4 h 34 min 18 s
